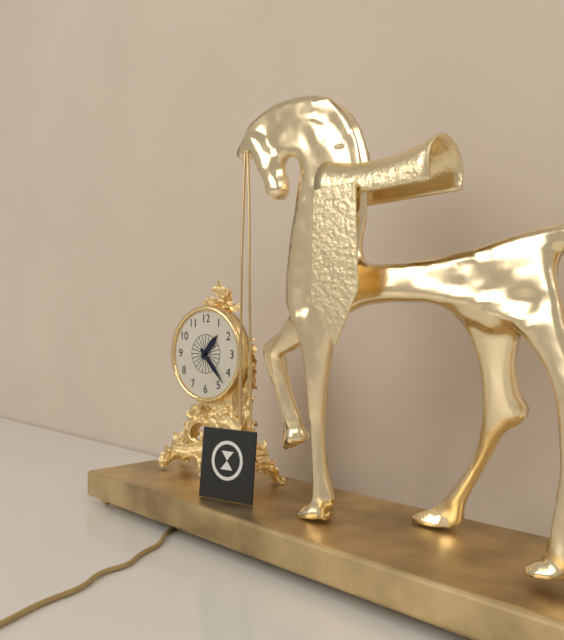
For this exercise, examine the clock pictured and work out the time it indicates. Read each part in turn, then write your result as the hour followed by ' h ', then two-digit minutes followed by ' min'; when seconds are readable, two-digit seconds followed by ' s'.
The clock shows 1 h 23 min
